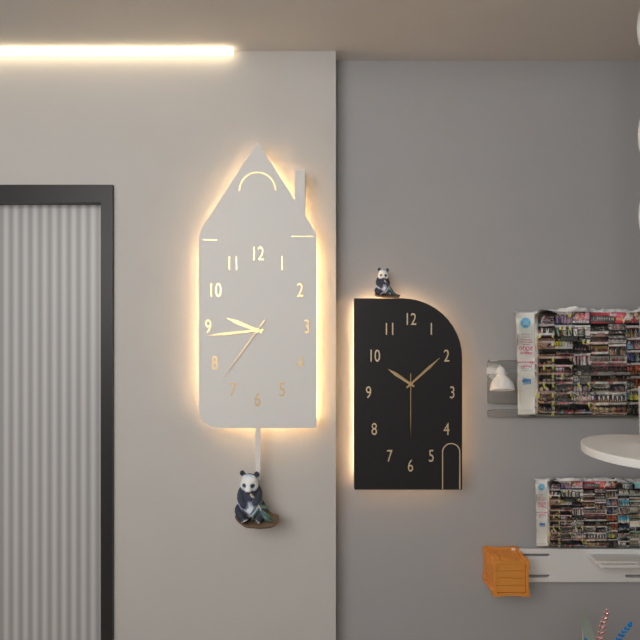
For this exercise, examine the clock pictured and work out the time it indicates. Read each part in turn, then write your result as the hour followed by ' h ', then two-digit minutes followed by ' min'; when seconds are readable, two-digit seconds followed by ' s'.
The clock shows 9 h 44 min 36 s
